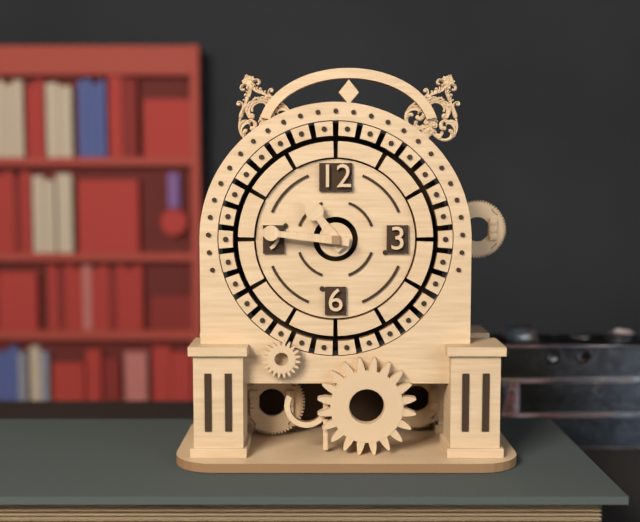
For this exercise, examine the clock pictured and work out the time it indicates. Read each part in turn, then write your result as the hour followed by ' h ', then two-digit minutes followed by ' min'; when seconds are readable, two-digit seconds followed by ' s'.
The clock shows 10 h 46 min
